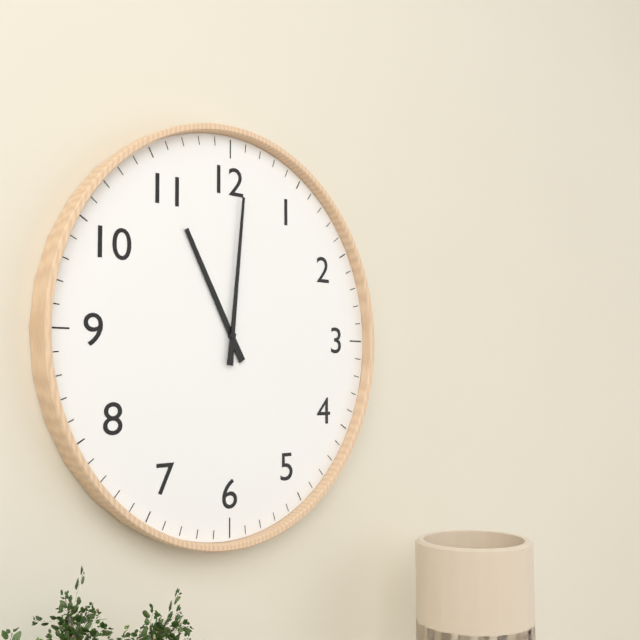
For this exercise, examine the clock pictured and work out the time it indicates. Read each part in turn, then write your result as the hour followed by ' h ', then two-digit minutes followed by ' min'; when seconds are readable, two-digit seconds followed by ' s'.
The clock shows 11 h 01 min
